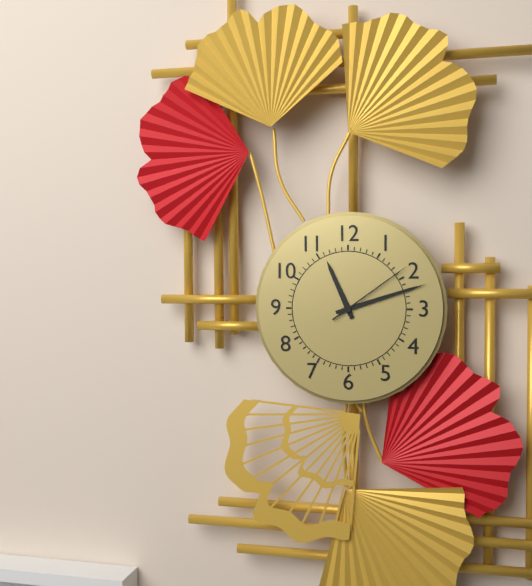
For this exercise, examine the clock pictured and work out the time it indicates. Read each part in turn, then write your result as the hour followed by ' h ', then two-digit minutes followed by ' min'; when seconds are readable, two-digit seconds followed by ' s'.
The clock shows 11 h 12 min 09 s
